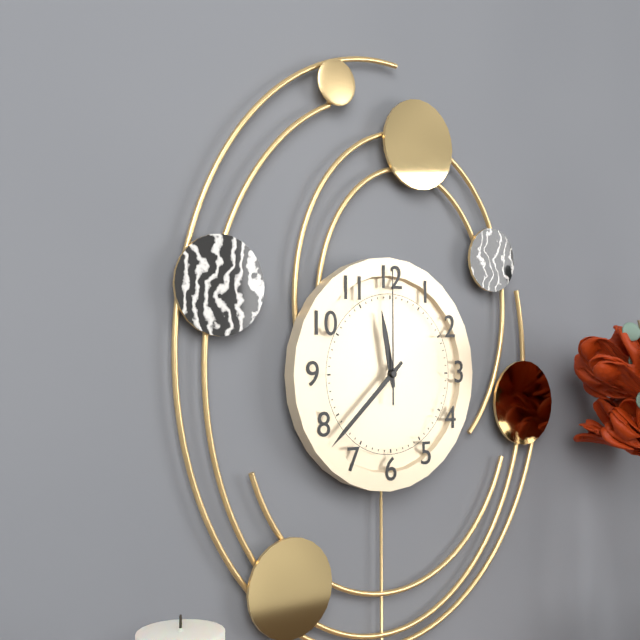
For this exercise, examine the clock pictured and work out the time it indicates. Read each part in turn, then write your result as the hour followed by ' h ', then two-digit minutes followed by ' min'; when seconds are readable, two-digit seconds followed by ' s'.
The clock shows 11 h 38 min 00 s
